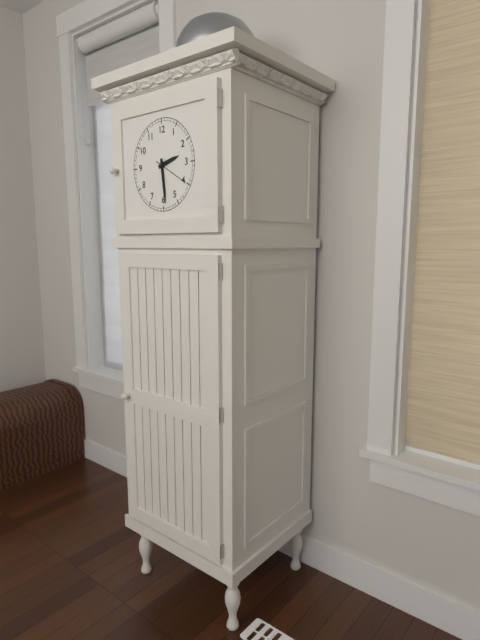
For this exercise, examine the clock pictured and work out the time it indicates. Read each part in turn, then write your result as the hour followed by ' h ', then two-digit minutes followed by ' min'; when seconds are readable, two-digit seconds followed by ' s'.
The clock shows 2 h 29 min
